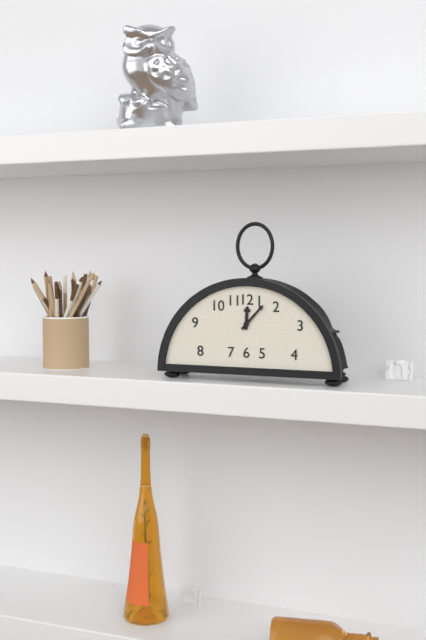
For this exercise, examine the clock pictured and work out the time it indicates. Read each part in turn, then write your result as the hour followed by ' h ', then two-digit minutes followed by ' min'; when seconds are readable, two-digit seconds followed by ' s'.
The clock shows 12 h 07 min
